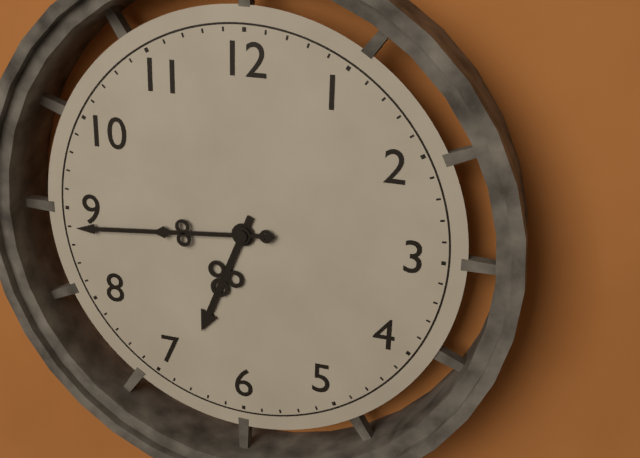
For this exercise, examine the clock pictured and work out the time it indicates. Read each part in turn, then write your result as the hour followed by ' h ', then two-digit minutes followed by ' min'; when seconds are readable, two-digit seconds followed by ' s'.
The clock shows 6 h 44 min
